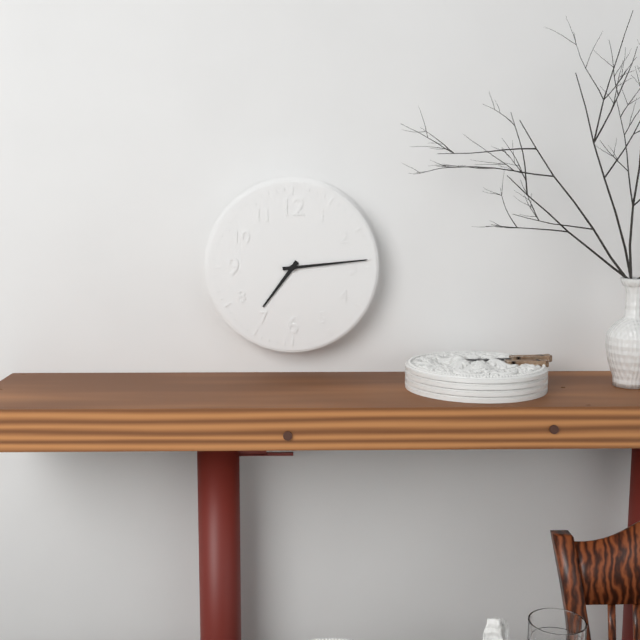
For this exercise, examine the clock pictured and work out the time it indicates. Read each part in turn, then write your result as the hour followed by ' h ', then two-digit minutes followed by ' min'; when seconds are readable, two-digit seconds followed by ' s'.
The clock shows 7 h 14 min
